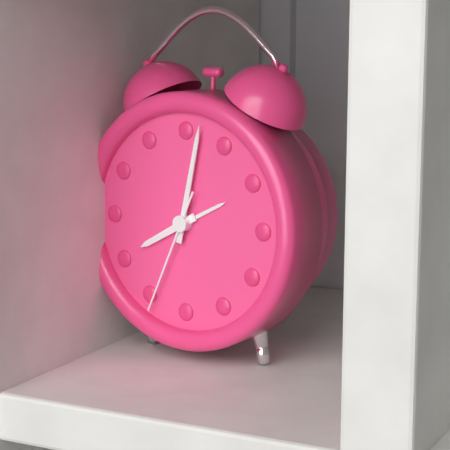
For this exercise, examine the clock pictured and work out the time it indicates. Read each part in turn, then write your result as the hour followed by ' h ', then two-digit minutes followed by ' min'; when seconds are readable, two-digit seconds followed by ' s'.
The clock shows 8 h 02 min 34 s
